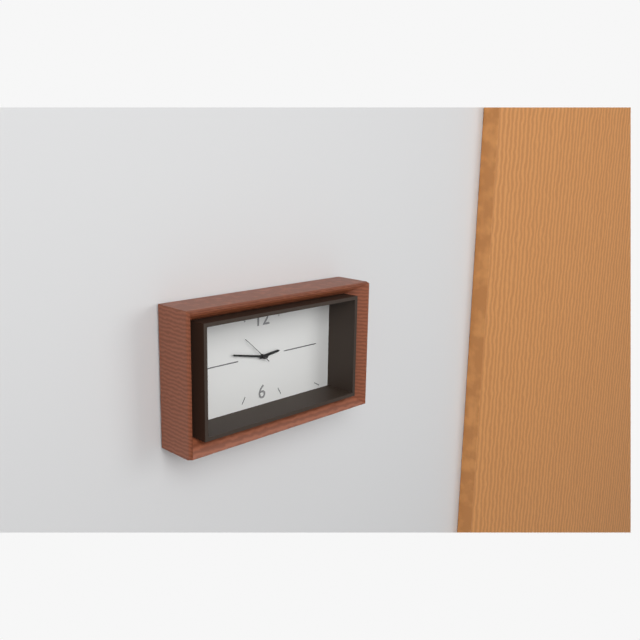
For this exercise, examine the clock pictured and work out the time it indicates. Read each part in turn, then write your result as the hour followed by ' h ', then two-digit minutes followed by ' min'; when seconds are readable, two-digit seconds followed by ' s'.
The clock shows 2 h 47 min
